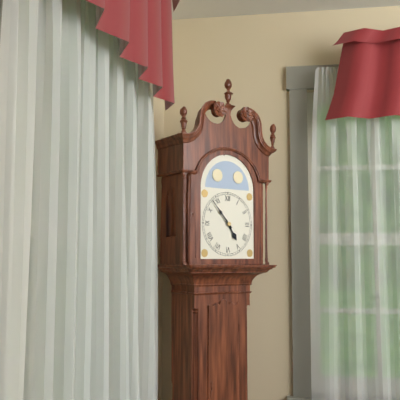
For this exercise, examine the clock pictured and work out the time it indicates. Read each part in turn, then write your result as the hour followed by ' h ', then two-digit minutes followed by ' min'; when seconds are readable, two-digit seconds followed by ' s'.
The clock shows 4 h 53 min
